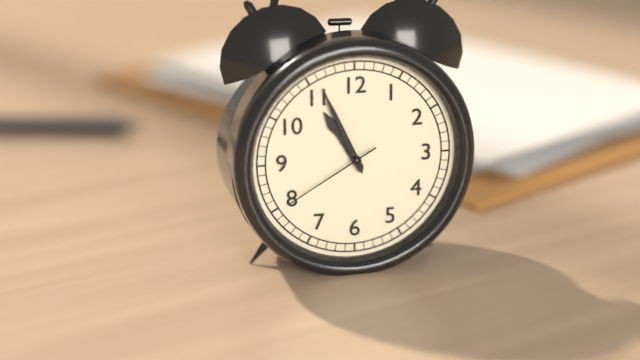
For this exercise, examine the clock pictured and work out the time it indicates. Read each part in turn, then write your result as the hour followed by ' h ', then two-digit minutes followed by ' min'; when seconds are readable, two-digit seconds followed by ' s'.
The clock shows 10 h 56 min 40 s
